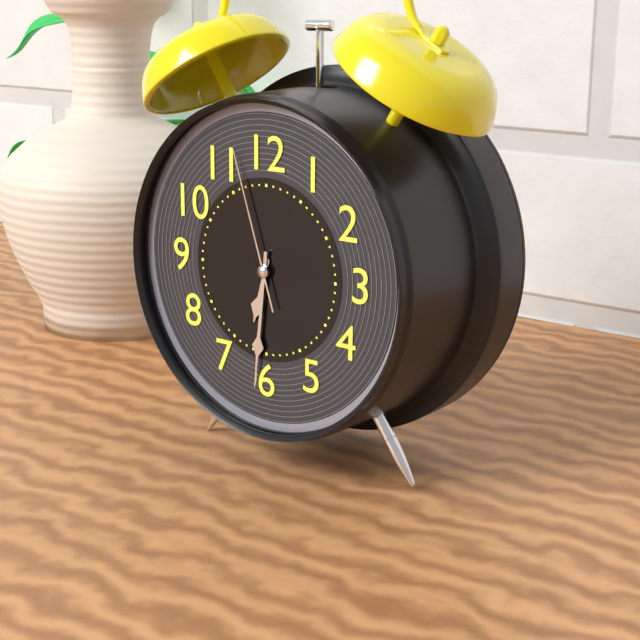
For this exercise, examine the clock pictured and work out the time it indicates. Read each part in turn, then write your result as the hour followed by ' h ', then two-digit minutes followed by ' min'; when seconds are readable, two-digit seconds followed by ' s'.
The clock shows 6 h 31 min 57 s
